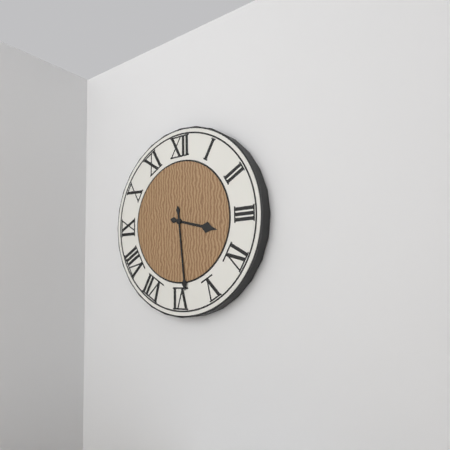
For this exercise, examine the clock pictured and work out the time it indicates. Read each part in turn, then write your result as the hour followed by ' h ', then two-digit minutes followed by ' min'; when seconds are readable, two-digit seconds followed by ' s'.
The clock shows 3 h 29 min
